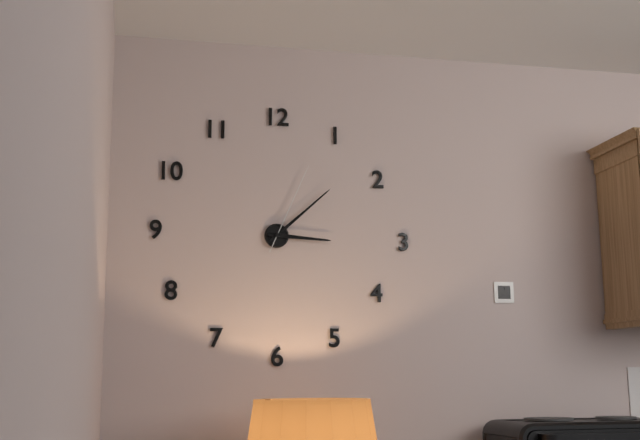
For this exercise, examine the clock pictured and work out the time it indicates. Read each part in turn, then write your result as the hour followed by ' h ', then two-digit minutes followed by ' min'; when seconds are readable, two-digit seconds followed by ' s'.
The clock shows 3 h 08 min 04 s
